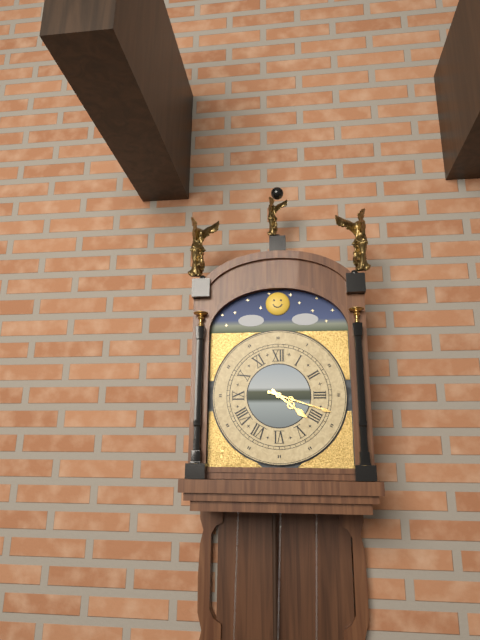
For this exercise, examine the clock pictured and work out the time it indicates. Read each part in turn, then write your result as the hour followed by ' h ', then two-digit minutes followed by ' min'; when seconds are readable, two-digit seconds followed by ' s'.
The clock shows 4 h 18 min
